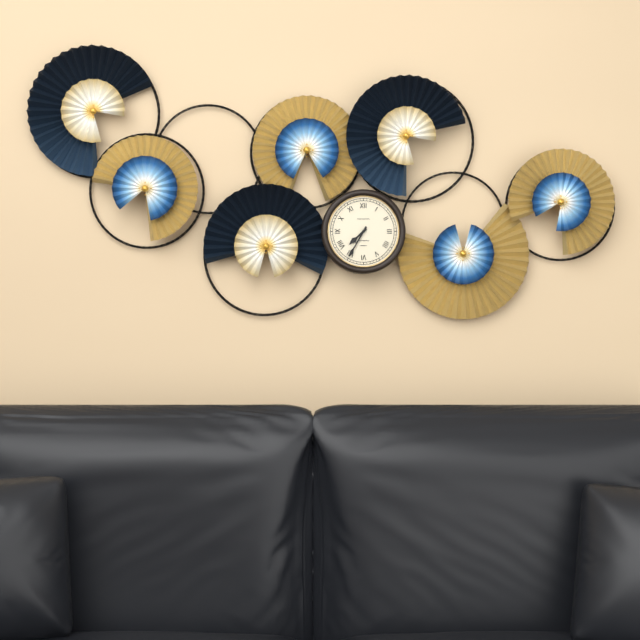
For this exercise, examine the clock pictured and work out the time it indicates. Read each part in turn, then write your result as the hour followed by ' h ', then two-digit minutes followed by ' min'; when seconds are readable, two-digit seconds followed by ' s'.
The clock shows 7 h 35 min
